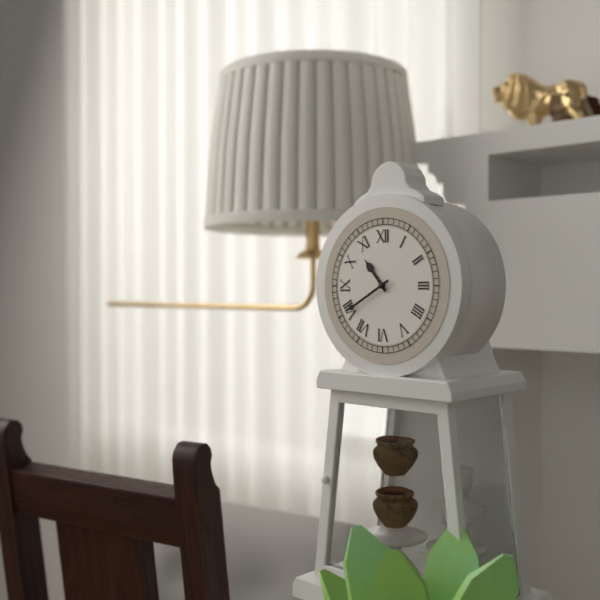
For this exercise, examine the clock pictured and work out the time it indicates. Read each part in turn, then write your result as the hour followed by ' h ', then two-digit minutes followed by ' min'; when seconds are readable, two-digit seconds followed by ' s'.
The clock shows 10 h 40 min
